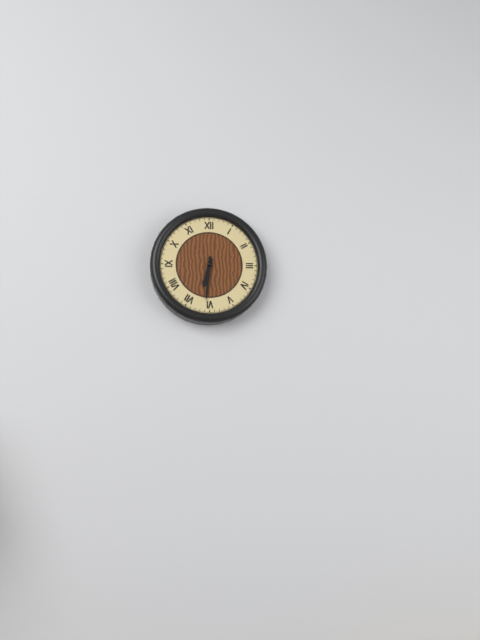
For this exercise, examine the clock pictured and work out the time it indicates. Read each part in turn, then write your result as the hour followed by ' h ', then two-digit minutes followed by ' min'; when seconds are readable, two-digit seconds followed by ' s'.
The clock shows 6 h 31 min
